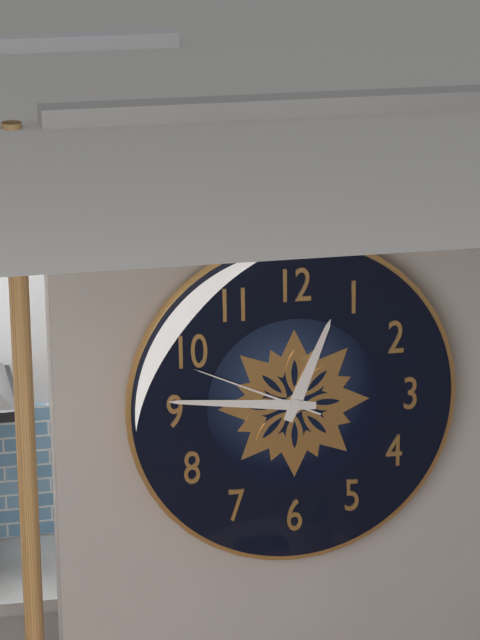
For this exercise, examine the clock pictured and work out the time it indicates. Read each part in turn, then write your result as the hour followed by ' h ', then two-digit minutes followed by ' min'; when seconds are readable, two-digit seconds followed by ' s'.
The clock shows 12 h 46 min 49 s
